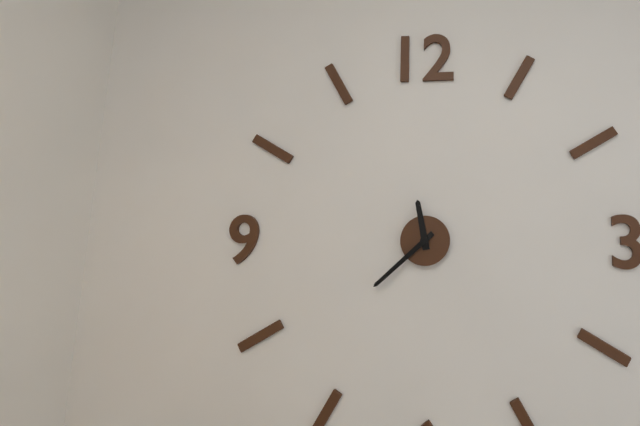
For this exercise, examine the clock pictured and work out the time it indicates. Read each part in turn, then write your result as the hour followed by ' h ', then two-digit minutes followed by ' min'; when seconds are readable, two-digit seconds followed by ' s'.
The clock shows 11 h 38 min
